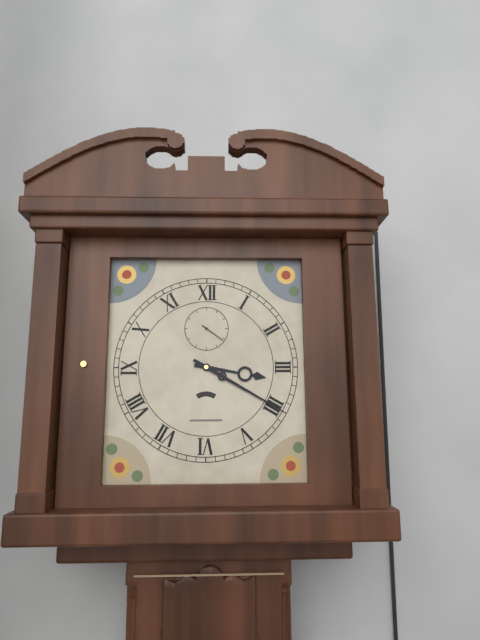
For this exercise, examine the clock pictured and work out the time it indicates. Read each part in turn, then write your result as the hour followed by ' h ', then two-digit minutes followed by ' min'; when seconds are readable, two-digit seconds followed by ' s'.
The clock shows 3 h 20 min
